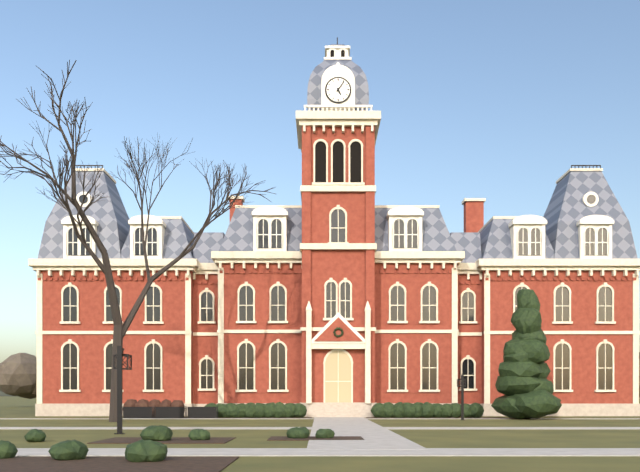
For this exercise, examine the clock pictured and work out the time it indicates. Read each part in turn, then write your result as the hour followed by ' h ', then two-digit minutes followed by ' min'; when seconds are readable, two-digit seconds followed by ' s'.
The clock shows 5 h 06 min
